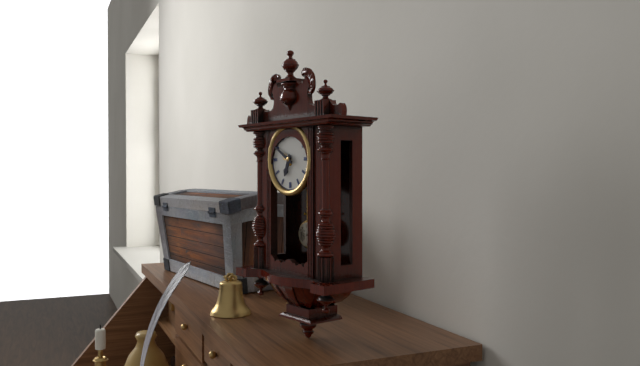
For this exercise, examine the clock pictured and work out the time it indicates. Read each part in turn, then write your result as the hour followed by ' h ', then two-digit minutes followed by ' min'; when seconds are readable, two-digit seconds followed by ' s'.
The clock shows 6 h 50 min
